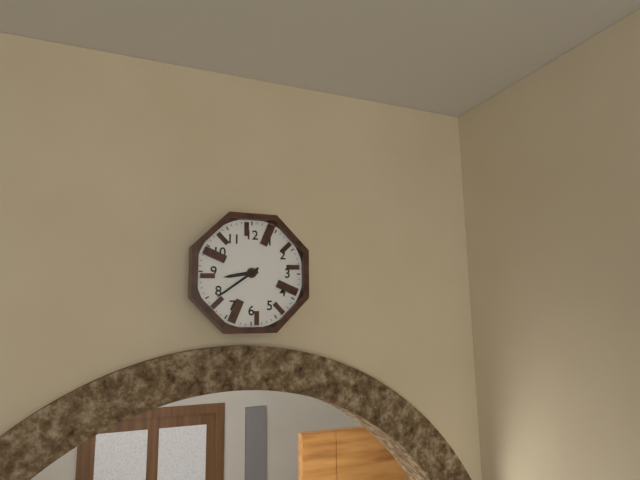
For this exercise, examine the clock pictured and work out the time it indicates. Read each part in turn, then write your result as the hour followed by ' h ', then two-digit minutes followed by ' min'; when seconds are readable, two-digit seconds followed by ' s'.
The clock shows 8 h 39 min
